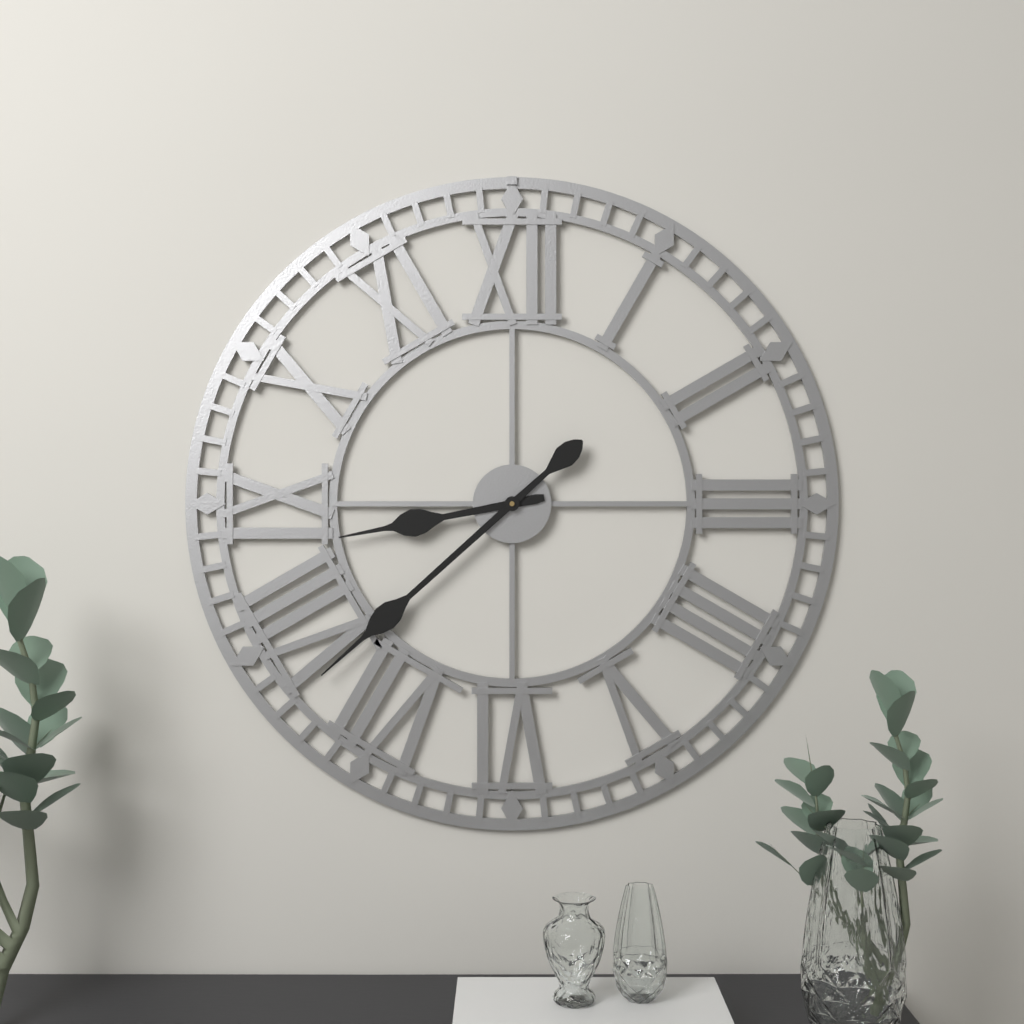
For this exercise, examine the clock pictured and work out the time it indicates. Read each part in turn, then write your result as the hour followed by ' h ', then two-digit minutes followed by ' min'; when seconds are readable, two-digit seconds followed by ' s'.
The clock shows 8 h 38 min
